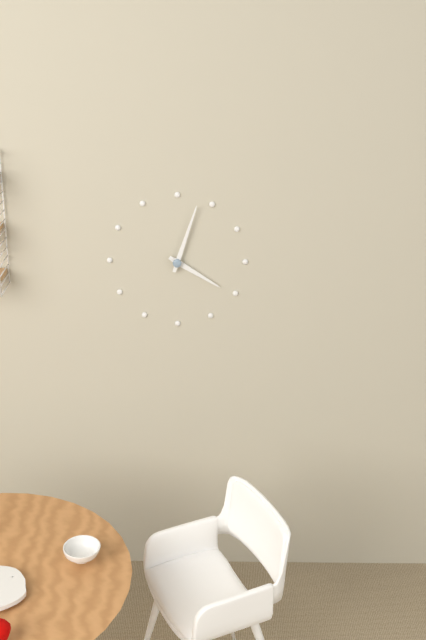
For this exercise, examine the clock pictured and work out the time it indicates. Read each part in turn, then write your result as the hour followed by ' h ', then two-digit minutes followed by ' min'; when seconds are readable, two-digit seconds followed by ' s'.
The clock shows 4 h 03 min
